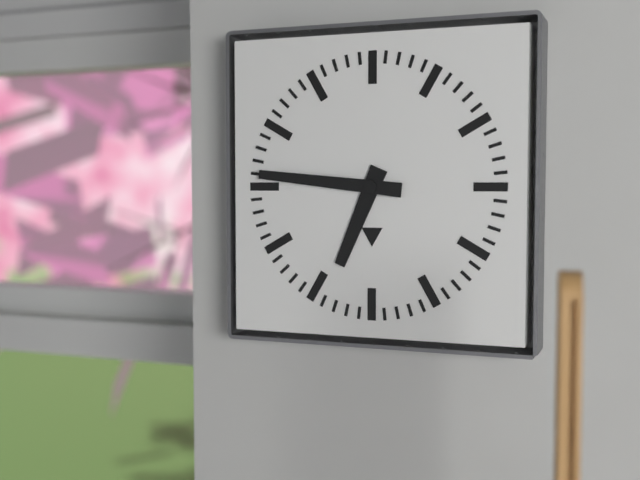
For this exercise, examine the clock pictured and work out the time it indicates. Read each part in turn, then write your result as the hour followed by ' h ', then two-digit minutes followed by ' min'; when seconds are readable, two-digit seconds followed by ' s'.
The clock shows 6 h 46 min
